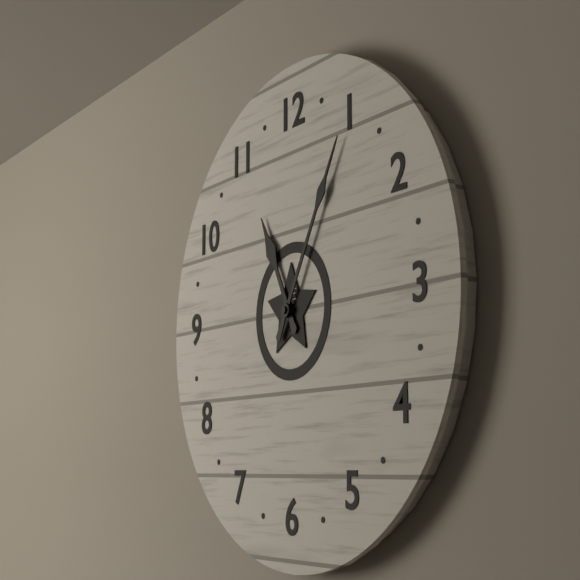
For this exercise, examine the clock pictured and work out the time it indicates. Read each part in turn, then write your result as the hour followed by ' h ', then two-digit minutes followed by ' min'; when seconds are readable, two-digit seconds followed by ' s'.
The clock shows 11 h 05 min
